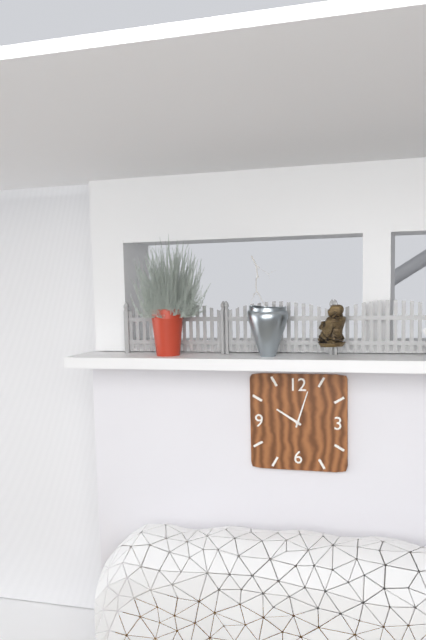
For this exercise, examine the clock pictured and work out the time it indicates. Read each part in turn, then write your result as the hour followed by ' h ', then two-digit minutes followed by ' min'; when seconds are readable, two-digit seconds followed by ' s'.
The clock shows 10 h 03 min
